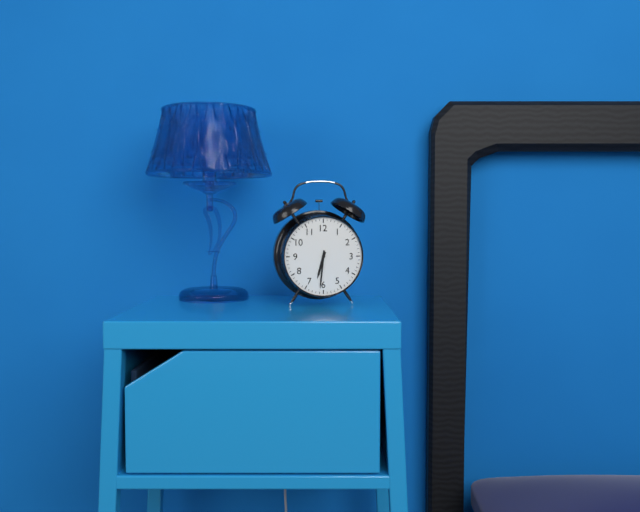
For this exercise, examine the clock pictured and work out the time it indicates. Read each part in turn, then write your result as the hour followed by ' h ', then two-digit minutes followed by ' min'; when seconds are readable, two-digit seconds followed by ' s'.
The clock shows 6 h 31 min
